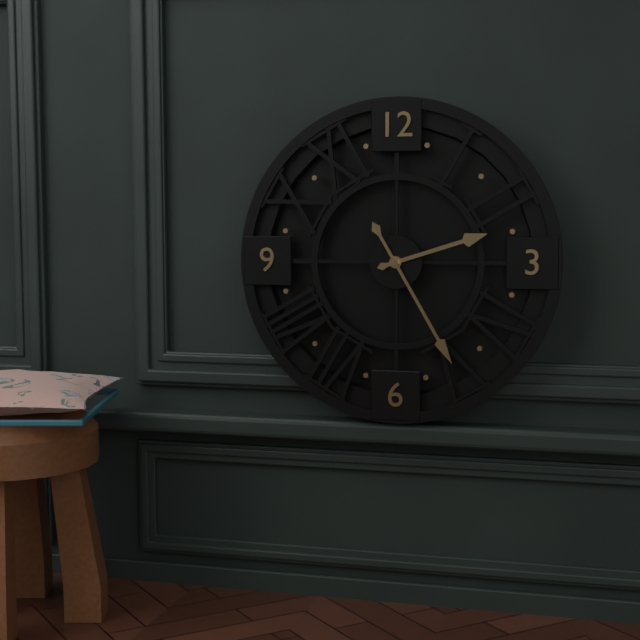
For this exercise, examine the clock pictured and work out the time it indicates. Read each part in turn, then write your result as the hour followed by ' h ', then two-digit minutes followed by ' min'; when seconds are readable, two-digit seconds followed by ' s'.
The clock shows 2 h 25 min
